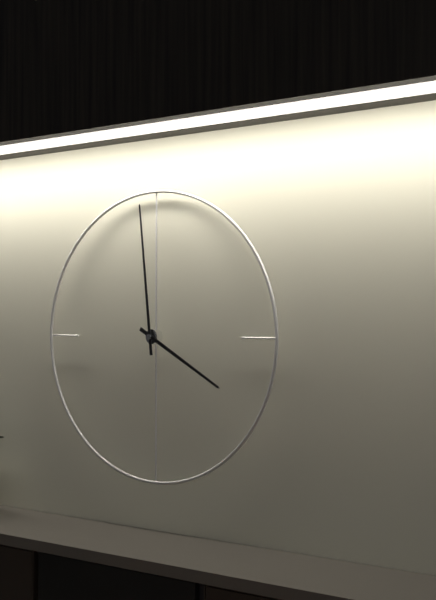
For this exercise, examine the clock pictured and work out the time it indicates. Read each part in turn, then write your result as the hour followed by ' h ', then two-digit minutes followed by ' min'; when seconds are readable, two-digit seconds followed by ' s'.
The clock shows 3 h 59 min
